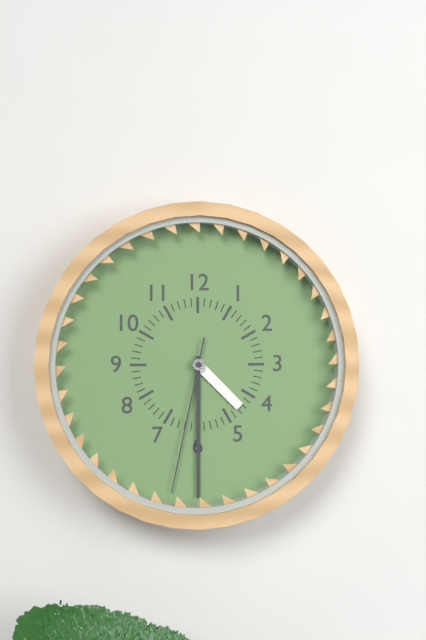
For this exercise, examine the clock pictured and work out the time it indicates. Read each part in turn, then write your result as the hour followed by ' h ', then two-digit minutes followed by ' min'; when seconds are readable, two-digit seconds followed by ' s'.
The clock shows 4 h 30 min 32 s
